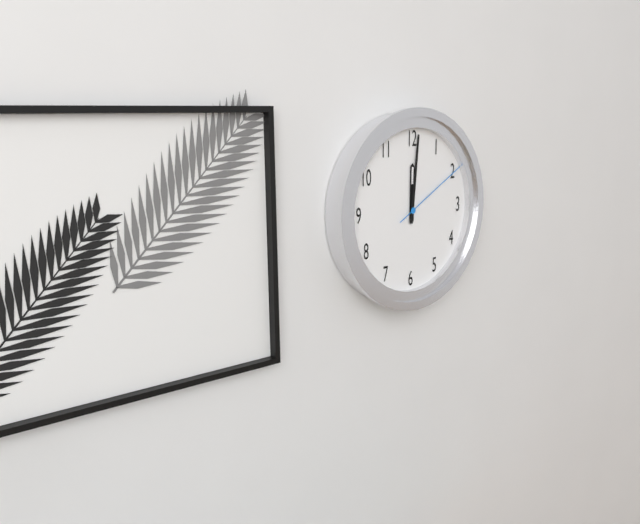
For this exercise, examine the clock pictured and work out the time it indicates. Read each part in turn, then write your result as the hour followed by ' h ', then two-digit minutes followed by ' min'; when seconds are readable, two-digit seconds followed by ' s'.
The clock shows 12 h 01 min 10 s
